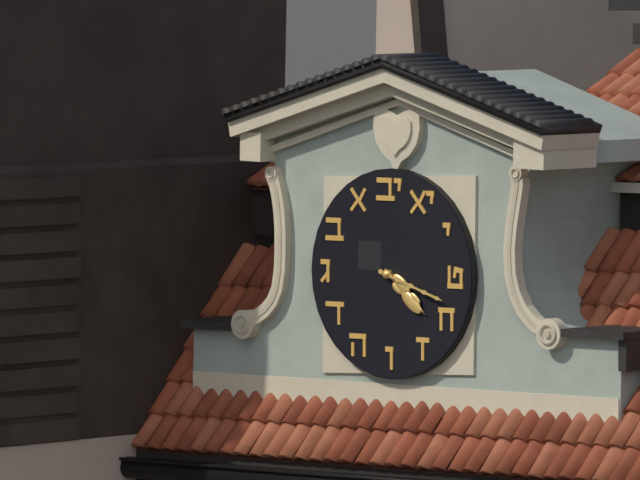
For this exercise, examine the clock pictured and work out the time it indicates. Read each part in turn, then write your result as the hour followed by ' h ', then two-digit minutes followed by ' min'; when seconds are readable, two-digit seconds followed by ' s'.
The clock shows 4 h 18 min
